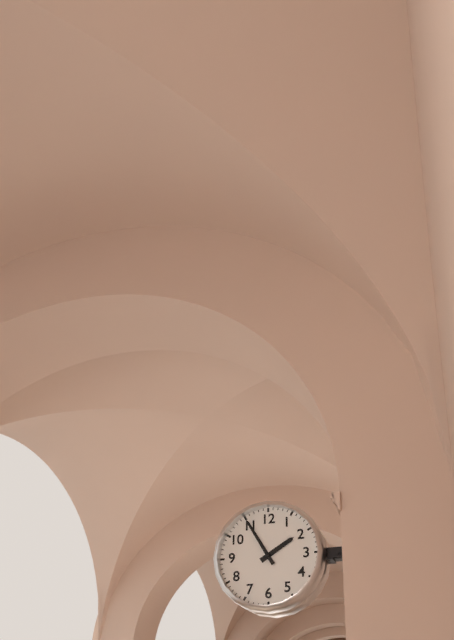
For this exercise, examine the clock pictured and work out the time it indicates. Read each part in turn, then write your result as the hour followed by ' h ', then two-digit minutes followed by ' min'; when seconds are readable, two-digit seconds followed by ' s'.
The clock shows 1 h 55 min
